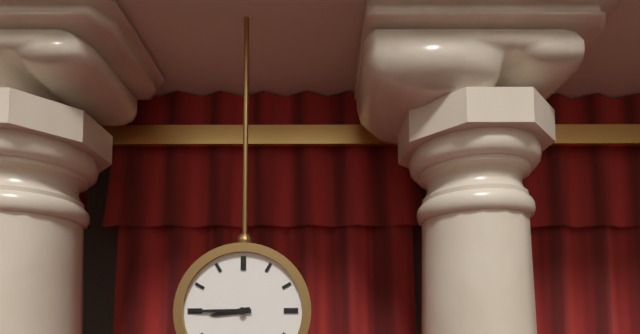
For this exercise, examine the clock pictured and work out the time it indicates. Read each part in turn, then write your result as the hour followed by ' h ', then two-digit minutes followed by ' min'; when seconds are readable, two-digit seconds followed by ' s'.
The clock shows 8 h 45 min
